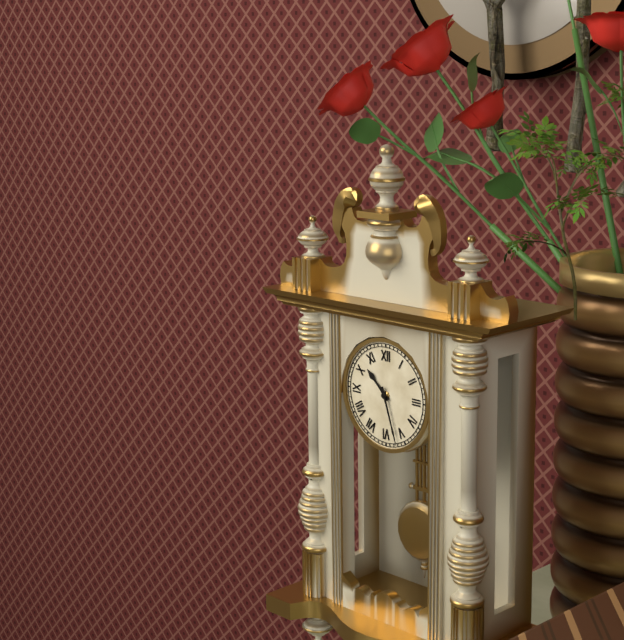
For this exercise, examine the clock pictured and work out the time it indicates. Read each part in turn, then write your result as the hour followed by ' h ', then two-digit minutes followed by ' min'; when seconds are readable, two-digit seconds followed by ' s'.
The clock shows 10 h 27 min
